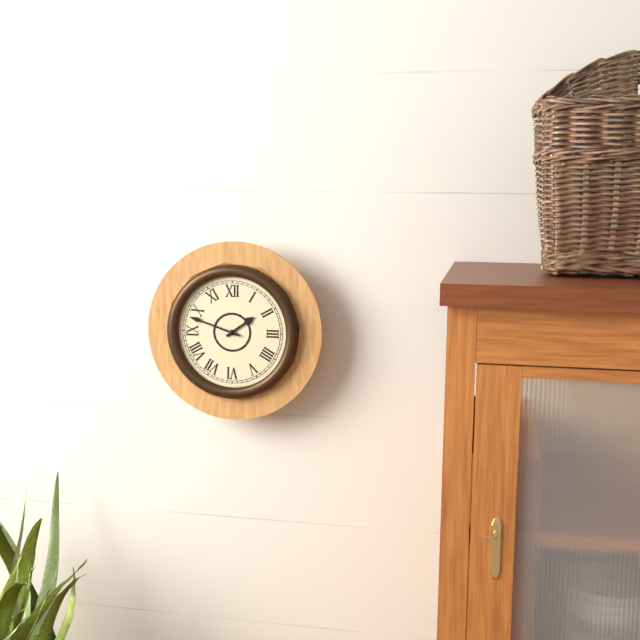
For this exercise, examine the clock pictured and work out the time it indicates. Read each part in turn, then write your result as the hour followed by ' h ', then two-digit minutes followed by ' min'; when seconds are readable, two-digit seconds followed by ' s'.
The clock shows 1 h 48 min
